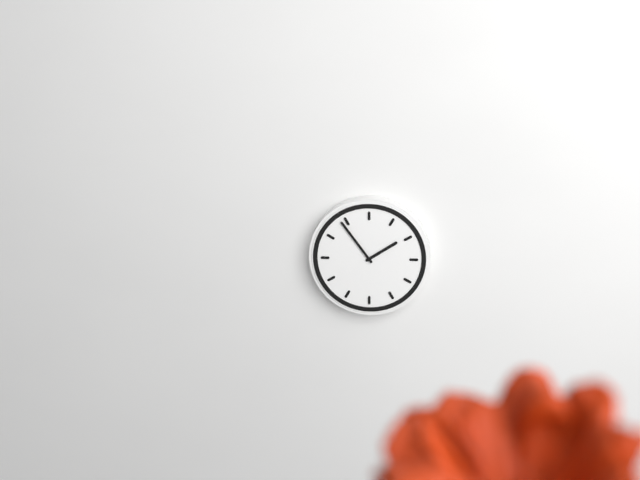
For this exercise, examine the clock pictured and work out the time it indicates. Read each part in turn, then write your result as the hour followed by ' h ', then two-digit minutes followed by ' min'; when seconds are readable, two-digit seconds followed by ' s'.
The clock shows 1 h 54 min
